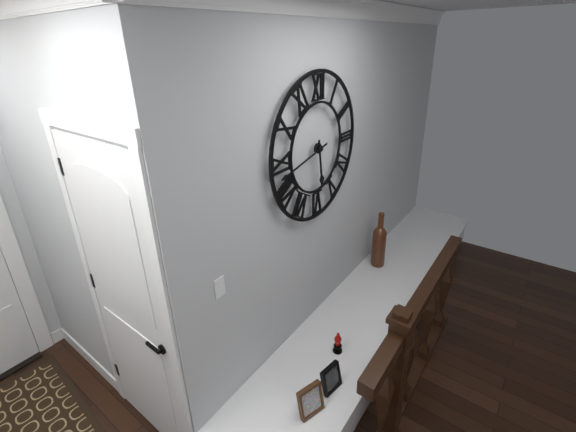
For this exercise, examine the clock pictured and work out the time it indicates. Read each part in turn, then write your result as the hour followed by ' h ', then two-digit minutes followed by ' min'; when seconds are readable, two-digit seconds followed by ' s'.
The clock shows 5 h 43 min
